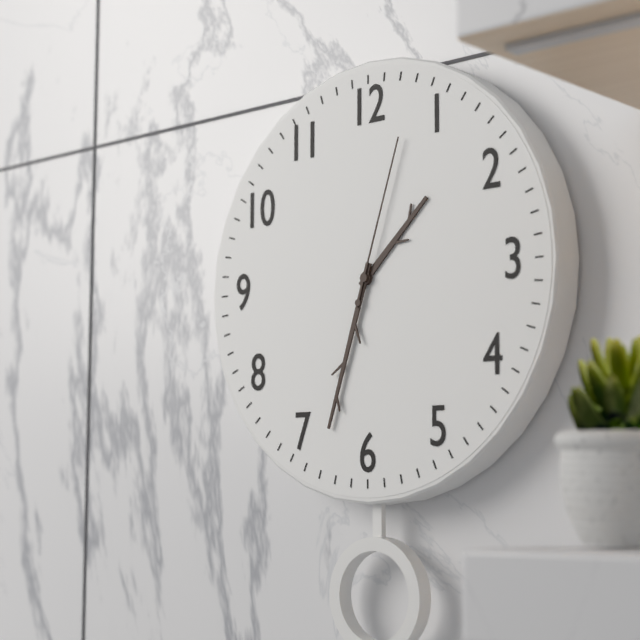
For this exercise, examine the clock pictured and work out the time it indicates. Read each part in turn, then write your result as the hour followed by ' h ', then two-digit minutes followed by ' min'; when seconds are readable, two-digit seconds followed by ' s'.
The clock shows 1 h 33 min 03 s
